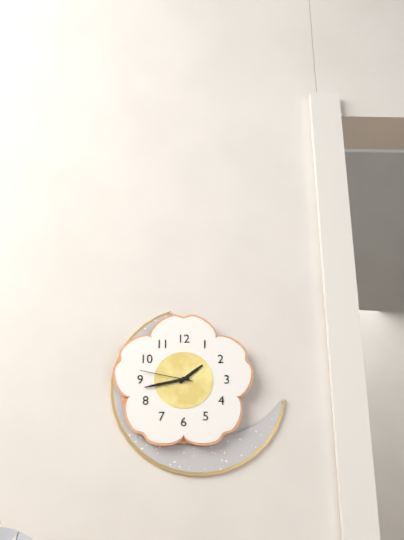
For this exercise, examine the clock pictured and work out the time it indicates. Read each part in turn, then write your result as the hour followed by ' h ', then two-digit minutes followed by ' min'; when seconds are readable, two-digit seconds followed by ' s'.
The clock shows 1 h 43 min 47 s
